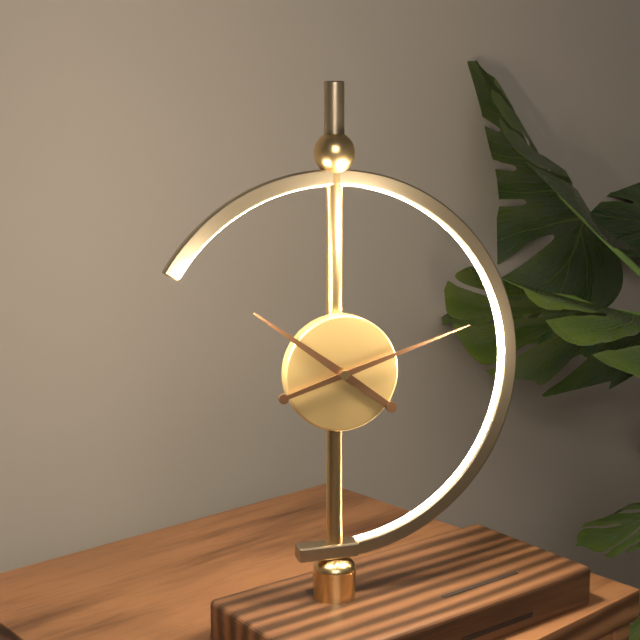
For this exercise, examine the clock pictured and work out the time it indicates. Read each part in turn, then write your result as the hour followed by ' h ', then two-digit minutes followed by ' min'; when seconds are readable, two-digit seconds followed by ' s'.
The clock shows 10 h 12 min
